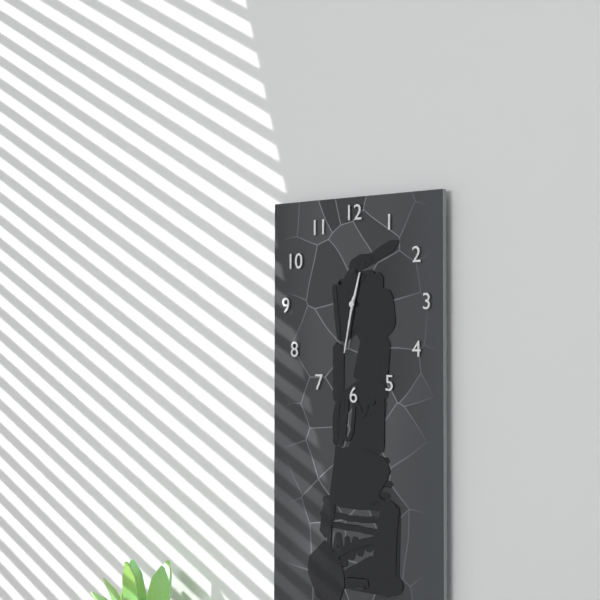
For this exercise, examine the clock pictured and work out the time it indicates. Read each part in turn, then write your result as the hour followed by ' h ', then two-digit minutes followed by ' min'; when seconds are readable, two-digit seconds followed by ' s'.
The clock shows 12 h 32 min
